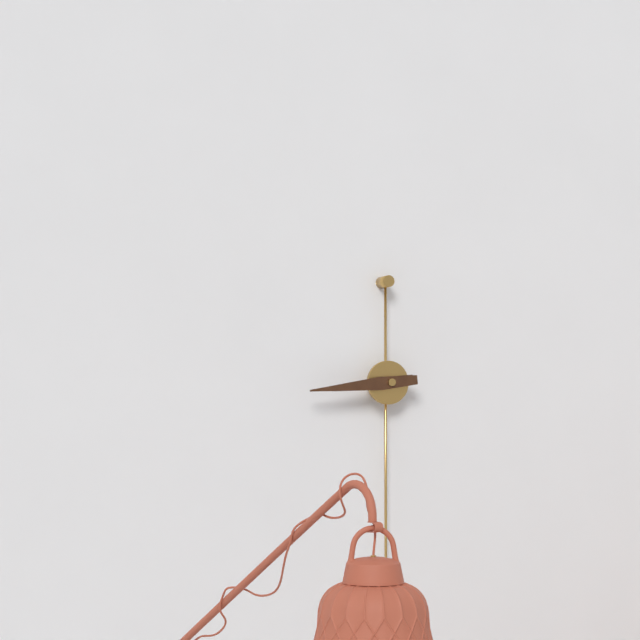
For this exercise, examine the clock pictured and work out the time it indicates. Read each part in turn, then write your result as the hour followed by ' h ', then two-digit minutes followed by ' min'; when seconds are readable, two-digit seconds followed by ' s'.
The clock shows 8 h 44 min
